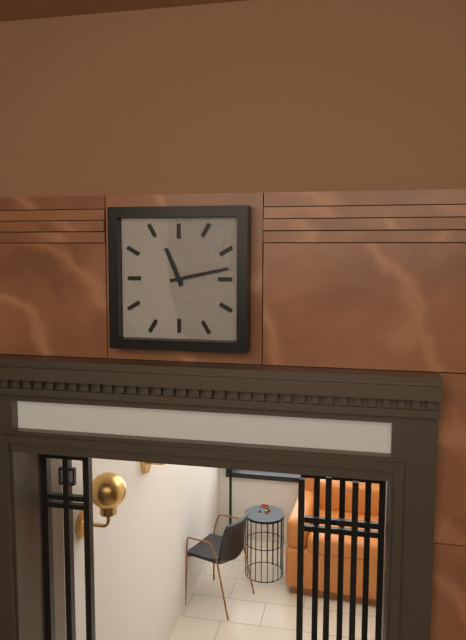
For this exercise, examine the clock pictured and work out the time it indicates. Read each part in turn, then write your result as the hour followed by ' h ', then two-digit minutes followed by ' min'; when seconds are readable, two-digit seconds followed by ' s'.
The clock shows 11 h 13 min
